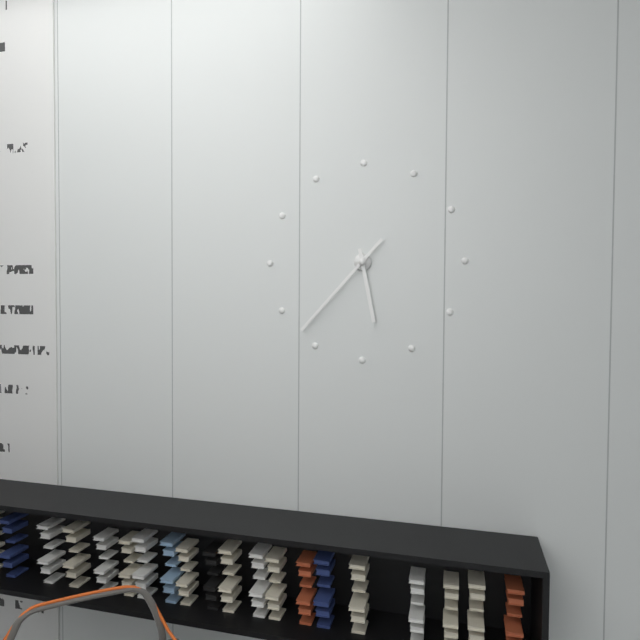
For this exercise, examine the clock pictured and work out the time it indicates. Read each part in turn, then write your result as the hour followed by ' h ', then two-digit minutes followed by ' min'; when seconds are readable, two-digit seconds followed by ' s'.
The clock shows 5 h 37 min
